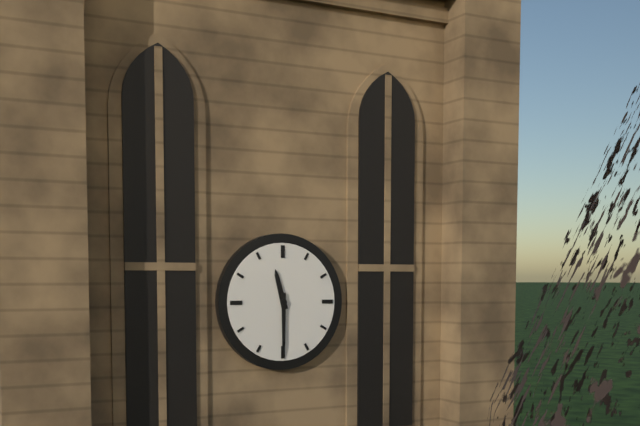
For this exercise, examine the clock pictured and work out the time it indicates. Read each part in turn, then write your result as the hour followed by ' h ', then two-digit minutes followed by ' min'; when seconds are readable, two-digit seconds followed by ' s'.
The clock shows 11 h 30 min
